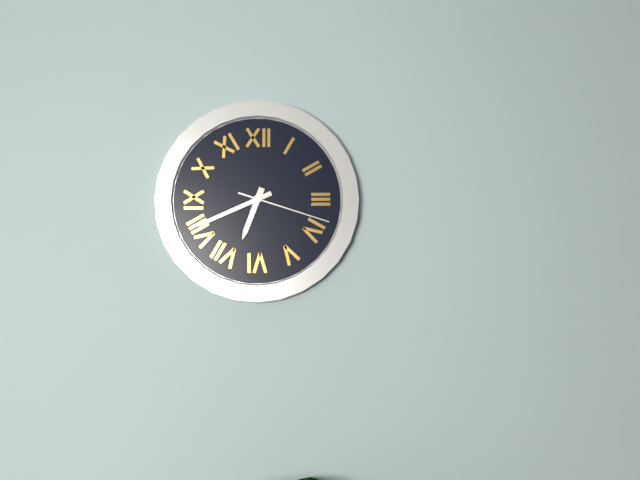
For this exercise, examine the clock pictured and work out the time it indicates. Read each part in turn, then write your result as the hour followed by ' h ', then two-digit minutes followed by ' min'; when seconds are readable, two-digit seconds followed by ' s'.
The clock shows 6 h 41 min 18 s
